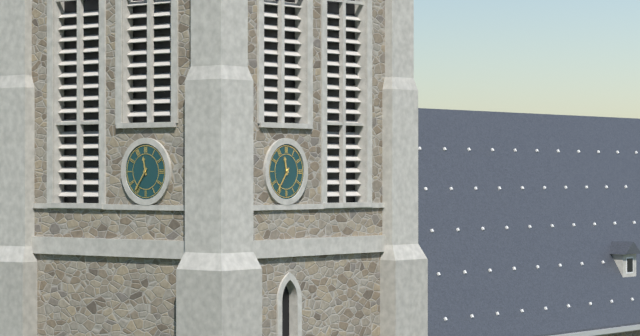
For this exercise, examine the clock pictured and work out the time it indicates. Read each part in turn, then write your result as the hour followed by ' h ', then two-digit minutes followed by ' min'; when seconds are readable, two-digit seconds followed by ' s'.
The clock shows 11 h 36 min
